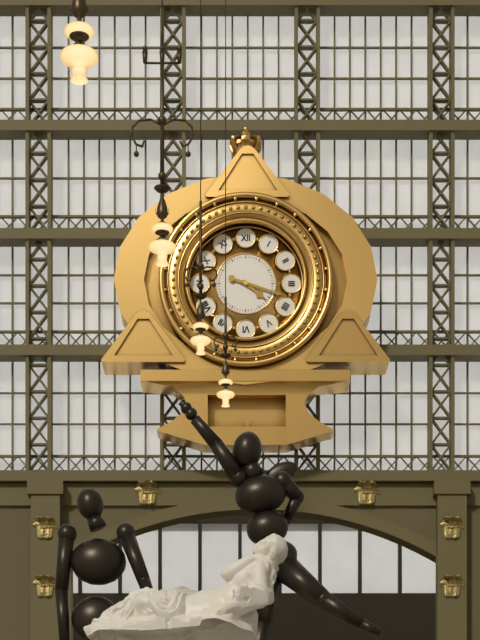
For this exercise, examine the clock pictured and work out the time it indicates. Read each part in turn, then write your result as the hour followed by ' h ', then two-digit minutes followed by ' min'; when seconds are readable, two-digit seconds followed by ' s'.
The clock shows 4 h 18 min
